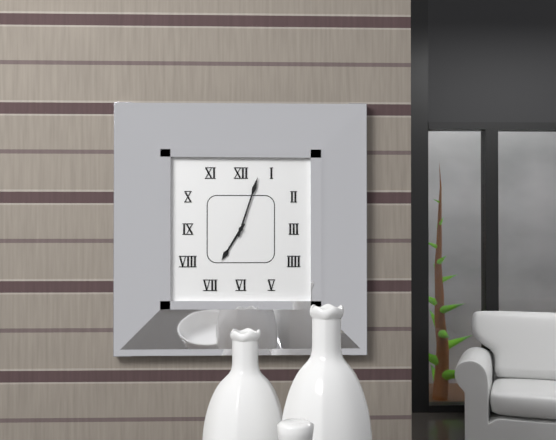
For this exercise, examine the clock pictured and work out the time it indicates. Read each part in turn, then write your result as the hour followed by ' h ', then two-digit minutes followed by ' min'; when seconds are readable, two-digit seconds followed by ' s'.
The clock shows 7 h 03 min
